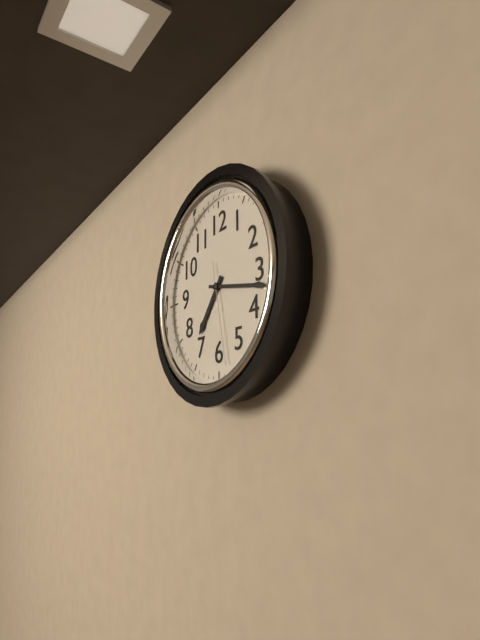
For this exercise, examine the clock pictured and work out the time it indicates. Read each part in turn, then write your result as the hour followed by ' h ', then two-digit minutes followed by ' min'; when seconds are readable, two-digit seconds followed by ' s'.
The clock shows 7 h 17 min 28 s
